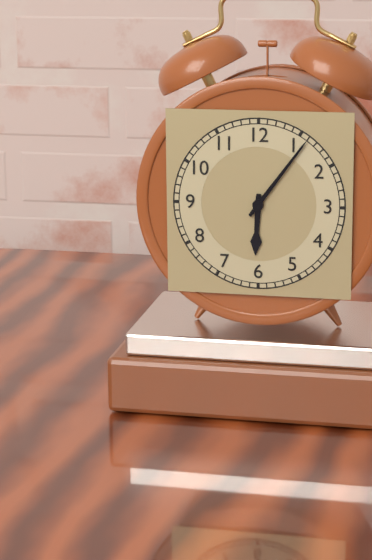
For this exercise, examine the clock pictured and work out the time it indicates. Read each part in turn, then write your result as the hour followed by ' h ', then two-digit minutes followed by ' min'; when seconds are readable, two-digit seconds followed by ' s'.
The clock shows 6 h 06 min
